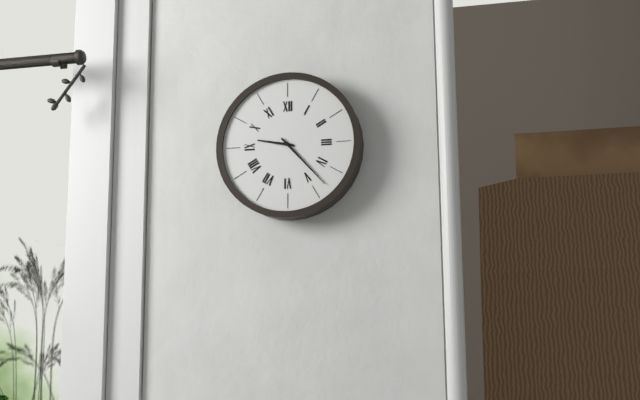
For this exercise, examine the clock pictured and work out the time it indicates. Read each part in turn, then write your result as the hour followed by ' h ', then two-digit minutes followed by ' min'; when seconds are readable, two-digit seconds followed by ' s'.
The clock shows 9 h 23 min
